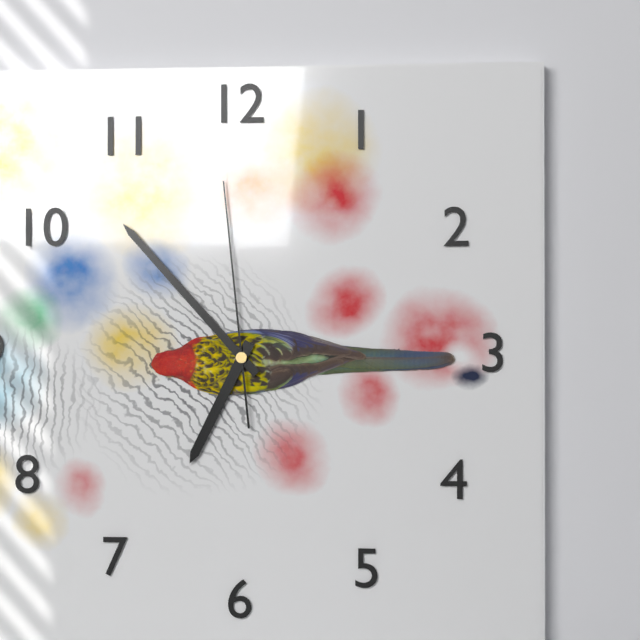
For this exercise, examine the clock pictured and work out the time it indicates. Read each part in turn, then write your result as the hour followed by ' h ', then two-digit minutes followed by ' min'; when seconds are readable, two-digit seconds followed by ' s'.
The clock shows 6 h 53 min 59 s
